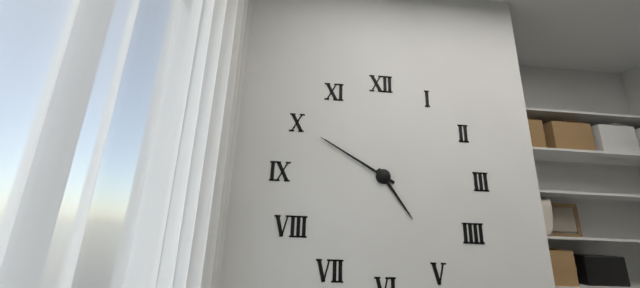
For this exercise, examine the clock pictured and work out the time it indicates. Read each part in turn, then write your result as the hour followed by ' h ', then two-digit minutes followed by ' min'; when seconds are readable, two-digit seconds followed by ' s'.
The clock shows 4 h 50 min
